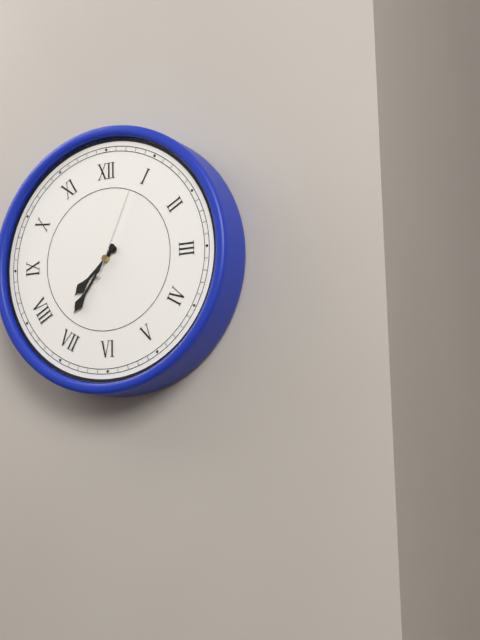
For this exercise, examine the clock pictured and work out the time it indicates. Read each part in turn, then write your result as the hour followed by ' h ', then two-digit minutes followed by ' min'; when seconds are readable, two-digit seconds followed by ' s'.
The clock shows 7 h 36 min 04 s
